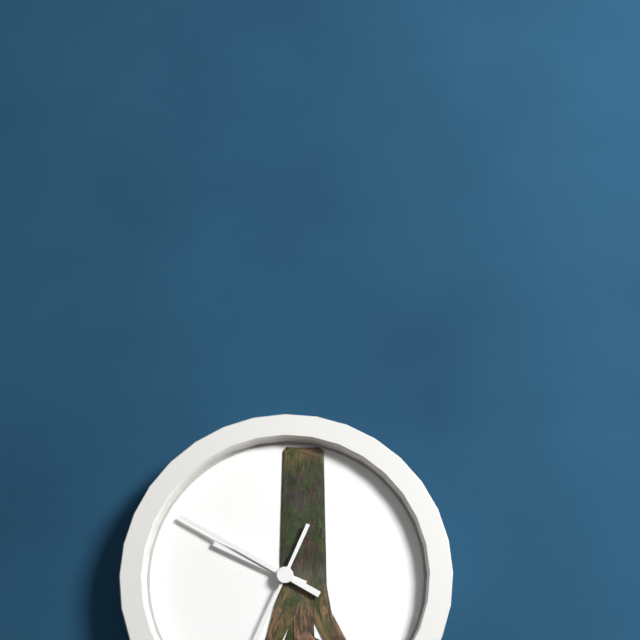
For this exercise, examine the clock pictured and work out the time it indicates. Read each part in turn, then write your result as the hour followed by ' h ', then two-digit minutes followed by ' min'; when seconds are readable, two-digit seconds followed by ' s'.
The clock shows 9 h 50 min
